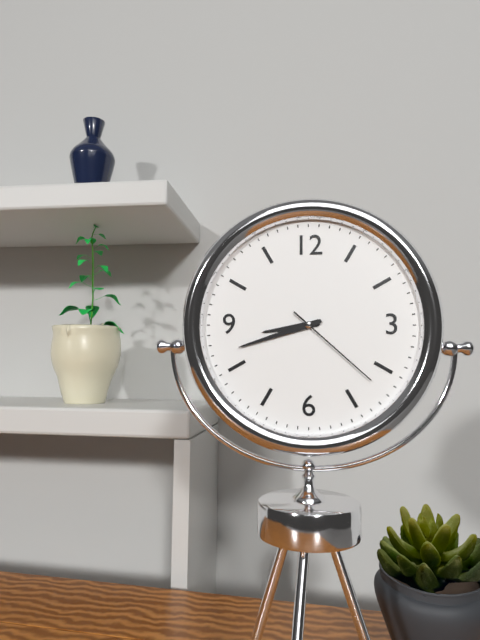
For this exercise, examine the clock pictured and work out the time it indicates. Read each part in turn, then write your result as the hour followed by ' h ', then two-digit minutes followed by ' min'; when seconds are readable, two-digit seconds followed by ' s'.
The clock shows 8 h 42 min 22 s
